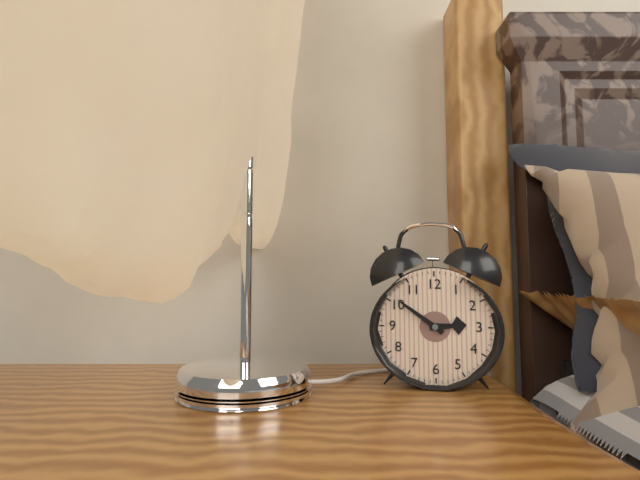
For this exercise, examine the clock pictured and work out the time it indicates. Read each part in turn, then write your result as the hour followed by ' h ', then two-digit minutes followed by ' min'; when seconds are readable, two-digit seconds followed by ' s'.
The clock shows 2 h 51 min
